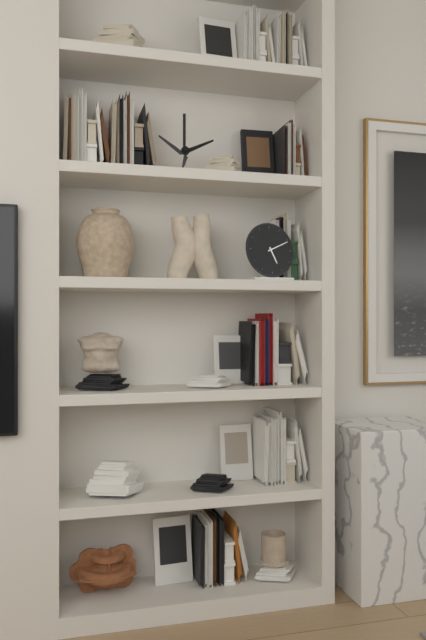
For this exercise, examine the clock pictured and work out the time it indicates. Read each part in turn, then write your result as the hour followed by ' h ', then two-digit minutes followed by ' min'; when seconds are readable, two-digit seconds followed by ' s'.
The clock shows 5 h 11 min
